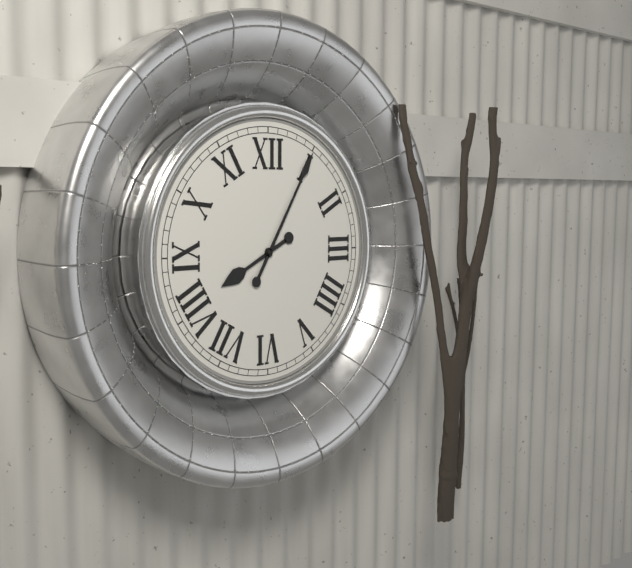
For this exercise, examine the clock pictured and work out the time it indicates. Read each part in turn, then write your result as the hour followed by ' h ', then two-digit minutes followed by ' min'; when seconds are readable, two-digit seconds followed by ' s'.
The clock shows 8 h 05 min
